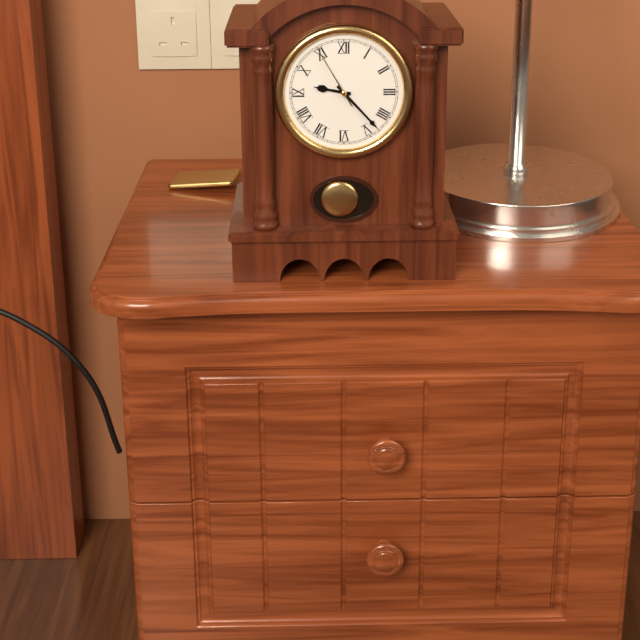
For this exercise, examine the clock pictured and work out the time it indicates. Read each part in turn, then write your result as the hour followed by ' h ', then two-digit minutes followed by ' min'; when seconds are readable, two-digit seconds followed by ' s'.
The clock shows 9 h 23 min 55 s
